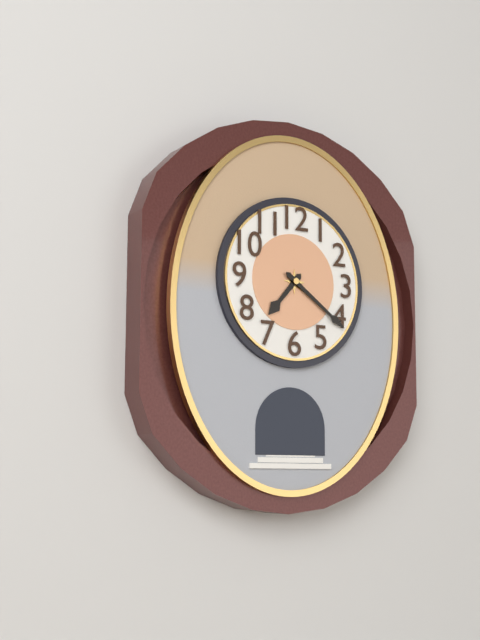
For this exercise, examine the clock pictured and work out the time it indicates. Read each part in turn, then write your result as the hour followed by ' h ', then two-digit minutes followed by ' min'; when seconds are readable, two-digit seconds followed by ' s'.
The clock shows 7 h 21 min
